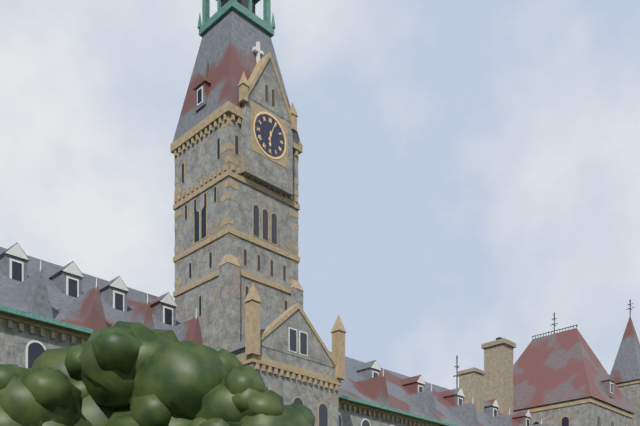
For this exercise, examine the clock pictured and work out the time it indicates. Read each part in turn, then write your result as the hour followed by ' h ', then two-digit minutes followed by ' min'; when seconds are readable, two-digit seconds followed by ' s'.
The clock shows 6 h 04 min
